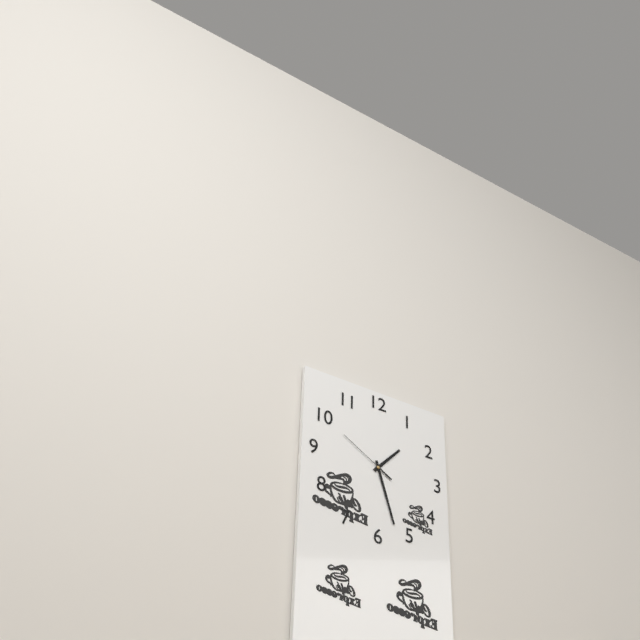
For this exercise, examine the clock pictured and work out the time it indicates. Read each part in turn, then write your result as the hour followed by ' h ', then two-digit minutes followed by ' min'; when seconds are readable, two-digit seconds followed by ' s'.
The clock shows 1 h 27 min 50 s
